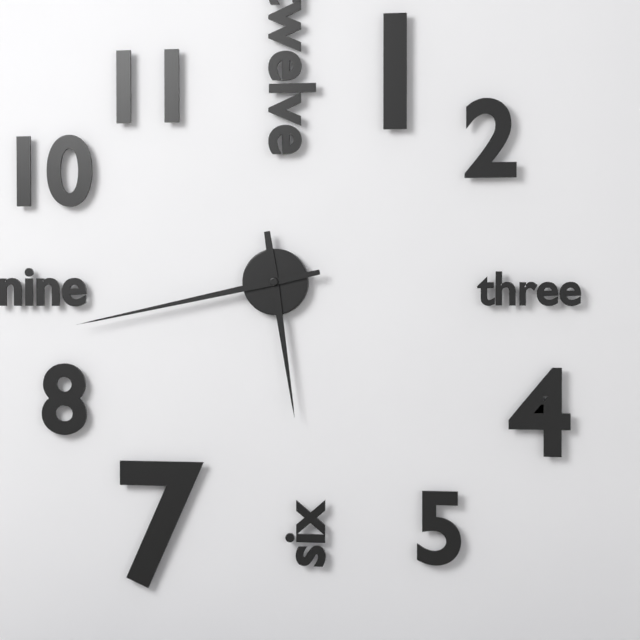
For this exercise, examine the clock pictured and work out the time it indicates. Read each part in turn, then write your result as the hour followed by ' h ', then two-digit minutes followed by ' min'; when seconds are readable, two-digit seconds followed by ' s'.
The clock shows 5 h 43 min
